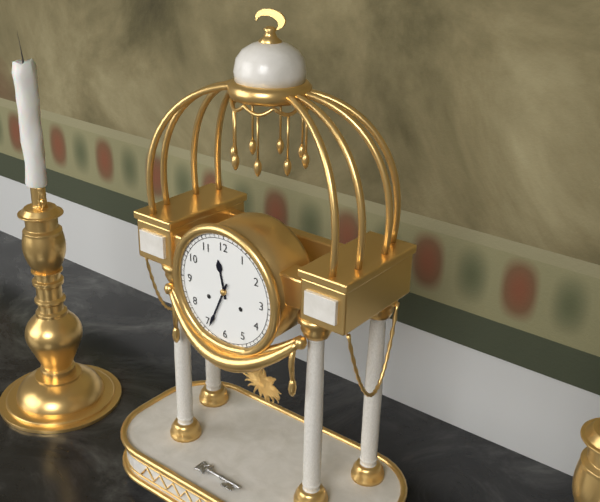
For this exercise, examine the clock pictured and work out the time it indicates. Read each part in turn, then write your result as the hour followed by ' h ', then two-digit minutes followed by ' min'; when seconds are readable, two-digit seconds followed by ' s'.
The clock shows 11 h 34 min
